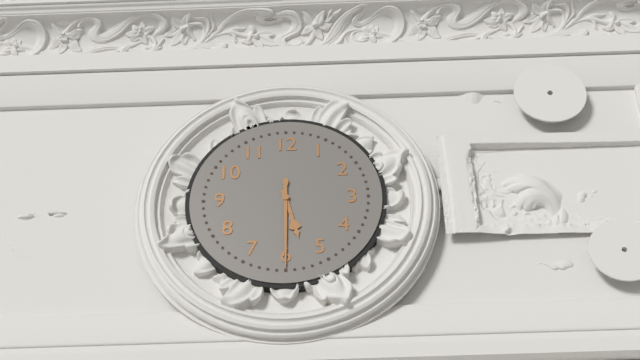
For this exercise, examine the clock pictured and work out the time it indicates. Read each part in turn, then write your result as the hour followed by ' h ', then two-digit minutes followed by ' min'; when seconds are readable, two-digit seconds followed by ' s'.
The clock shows 5 h 30 min
